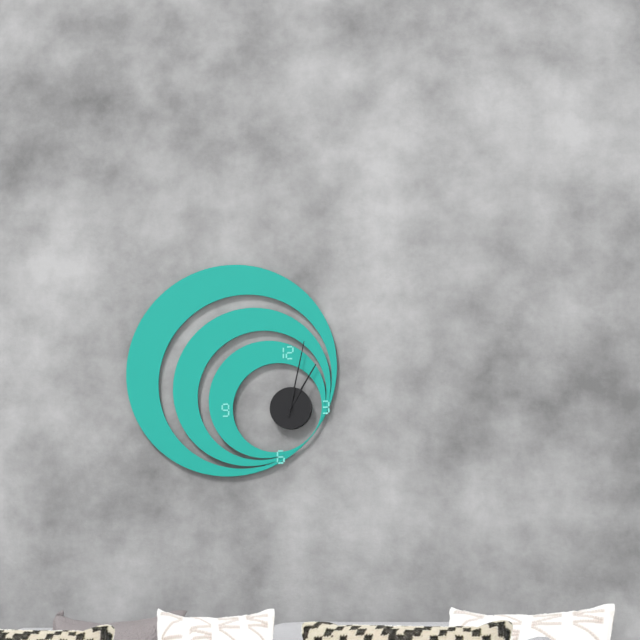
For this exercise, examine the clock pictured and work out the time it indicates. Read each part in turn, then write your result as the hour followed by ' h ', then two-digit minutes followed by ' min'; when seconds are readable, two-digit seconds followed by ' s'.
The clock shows 1 h 02 min
